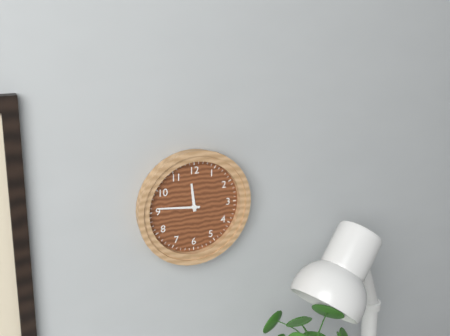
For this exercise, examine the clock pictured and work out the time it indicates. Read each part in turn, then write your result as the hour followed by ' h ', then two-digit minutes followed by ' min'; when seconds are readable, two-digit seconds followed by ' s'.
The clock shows 11 h 46 min
